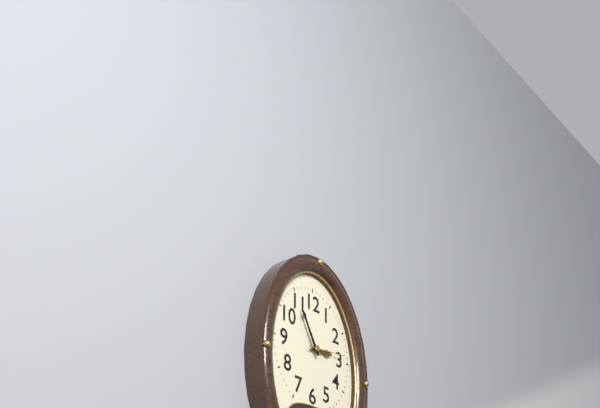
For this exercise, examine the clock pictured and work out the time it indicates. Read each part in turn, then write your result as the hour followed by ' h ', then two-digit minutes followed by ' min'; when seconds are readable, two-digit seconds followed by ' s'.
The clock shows 2 h 55 min
